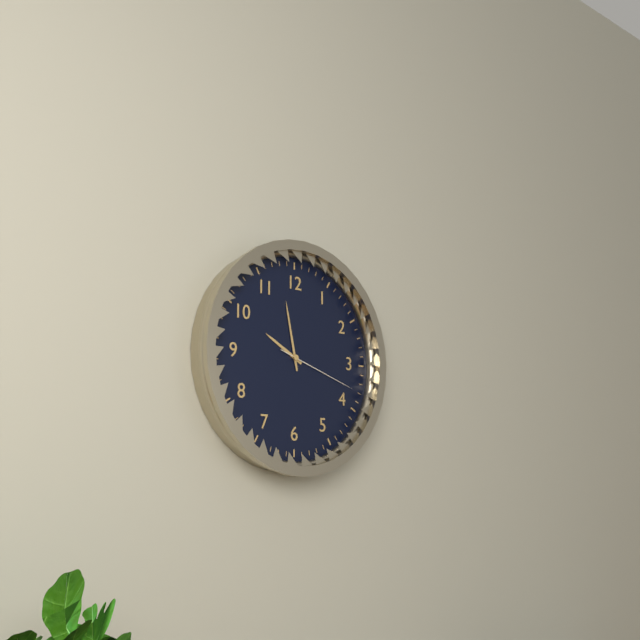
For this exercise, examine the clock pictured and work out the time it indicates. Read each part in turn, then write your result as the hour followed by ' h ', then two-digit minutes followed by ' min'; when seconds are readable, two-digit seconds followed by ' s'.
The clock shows 9 h 58 min 18 s
